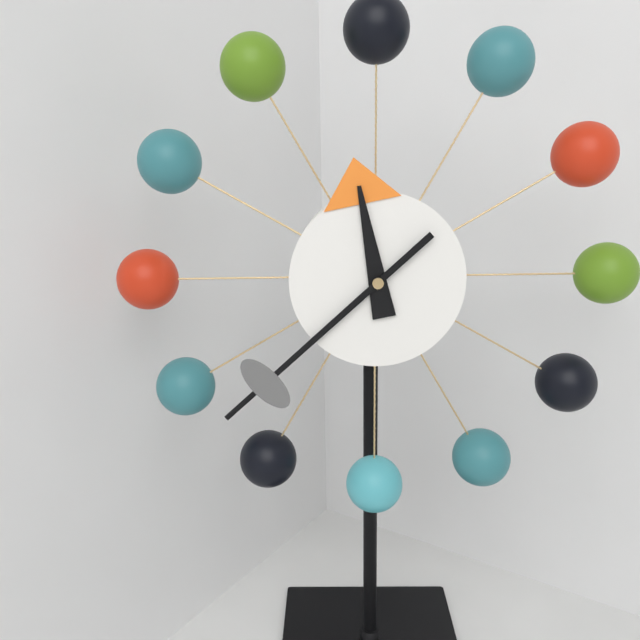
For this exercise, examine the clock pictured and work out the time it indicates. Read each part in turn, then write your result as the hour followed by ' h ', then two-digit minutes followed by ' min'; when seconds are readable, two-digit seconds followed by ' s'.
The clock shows 11 h 38 min
